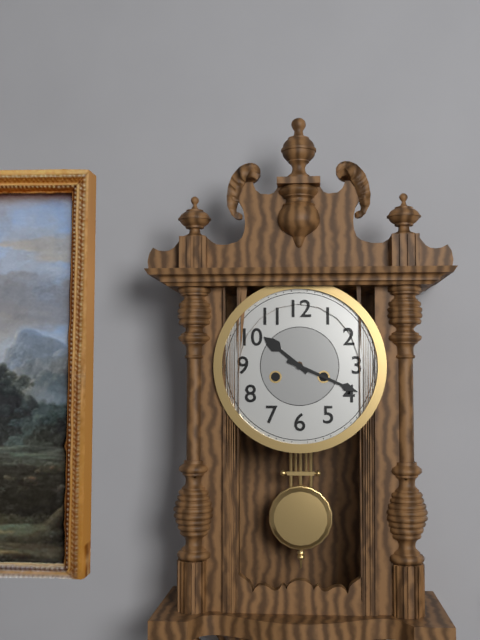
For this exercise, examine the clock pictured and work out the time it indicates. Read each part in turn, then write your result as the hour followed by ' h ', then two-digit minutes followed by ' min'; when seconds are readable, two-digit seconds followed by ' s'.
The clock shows 10 h 19 min
